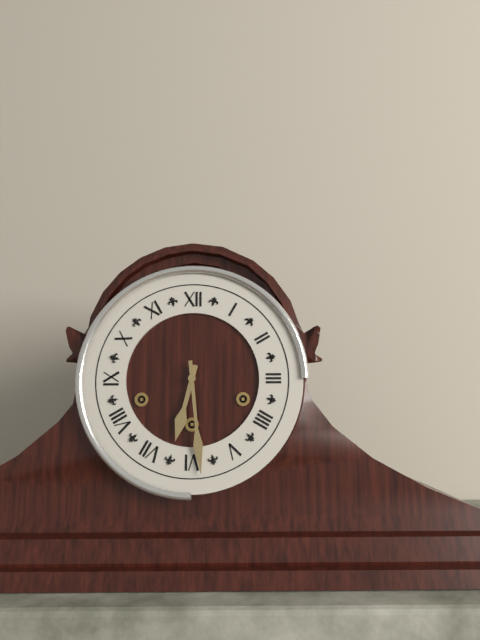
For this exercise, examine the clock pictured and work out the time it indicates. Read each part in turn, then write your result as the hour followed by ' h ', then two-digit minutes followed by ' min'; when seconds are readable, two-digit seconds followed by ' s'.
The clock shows 6 h 29 min
